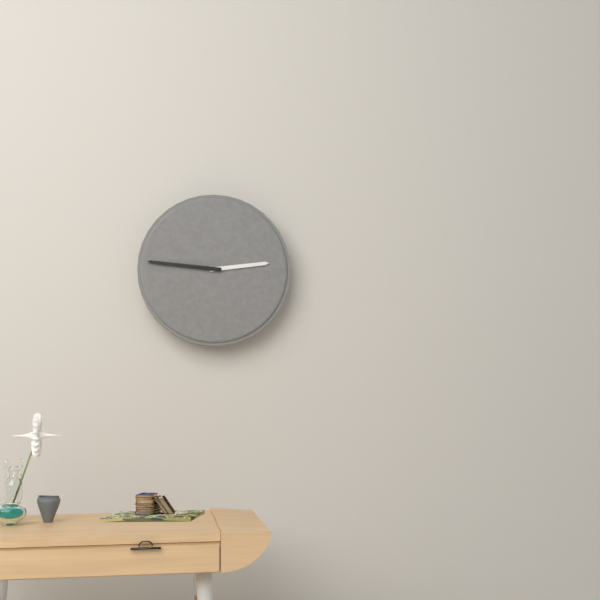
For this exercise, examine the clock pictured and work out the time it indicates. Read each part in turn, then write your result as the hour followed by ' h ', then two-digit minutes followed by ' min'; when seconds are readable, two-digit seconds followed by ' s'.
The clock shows 2 h 46 min
